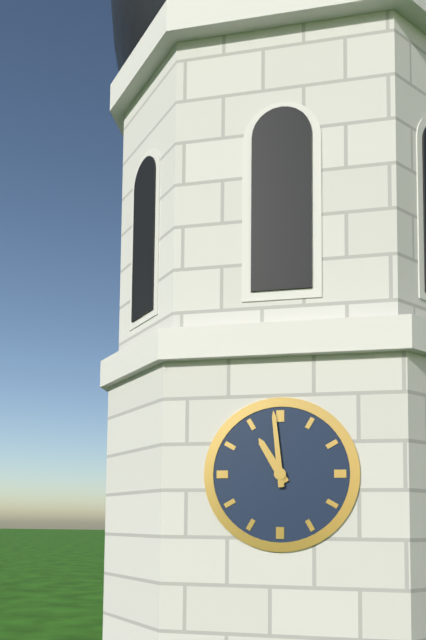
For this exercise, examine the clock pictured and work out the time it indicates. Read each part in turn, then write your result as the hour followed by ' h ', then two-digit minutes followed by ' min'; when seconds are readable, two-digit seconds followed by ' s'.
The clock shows 10 h 59 min
